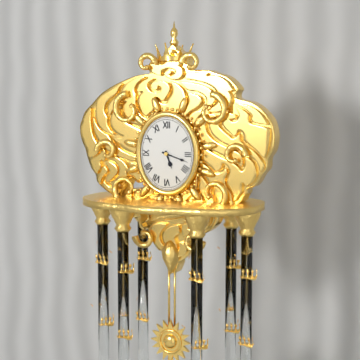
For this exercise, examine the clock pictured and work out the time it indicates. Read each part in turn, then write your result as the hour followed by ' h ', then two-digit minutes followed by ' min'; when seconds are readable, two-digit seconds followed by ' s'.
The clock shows 5 h 18 min
